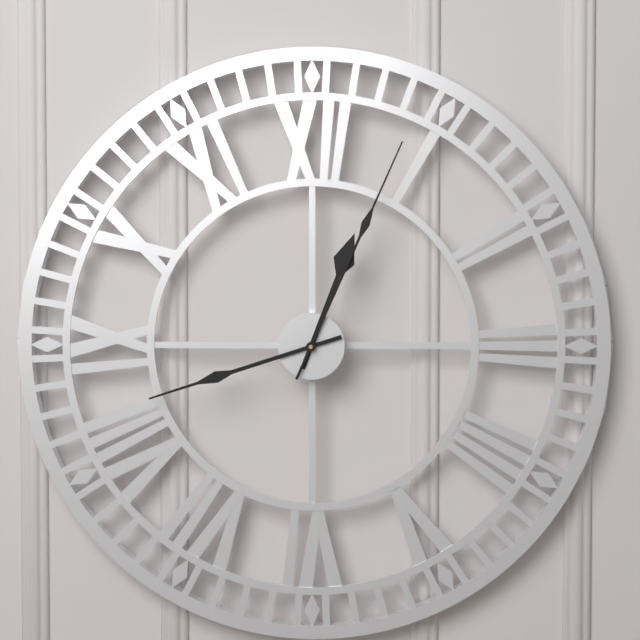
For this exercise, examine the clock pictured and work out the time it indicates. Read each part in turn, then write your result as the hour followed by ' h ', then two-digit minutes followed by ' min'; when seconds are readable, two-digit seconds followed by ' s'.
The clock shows 12 h 42 min 04 s
